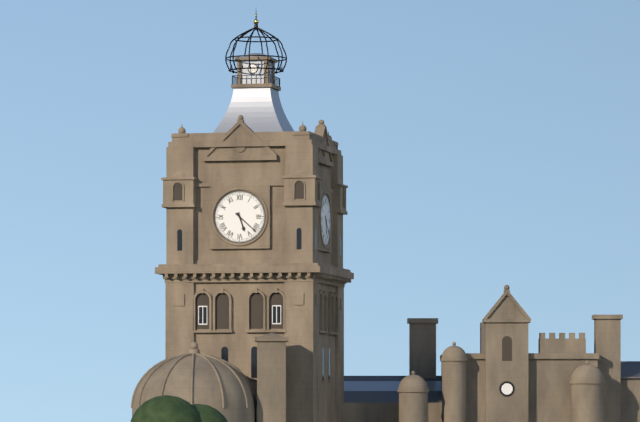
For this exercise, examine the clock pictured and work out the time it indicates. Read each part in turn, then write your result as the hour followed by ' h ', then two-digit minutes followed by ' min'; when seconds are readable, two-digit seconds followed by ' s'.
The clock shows 5 h 22 min
